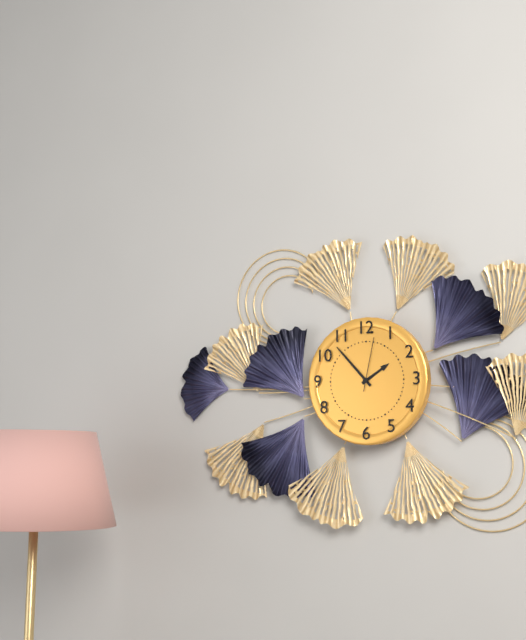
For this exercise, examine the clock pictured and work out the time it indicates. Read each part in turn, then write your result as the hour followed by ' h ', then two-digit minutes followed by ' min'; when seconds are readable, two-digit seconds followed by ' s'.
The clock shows 1 h 53 min 02 s
